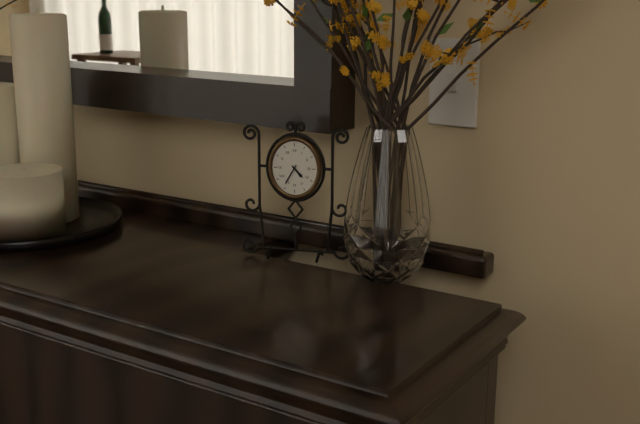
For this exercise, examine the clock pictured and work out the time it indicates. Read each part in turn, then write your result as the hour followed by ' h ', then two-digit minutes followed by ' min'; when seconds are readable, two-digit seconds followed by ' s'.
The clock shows 4 h 35 min
